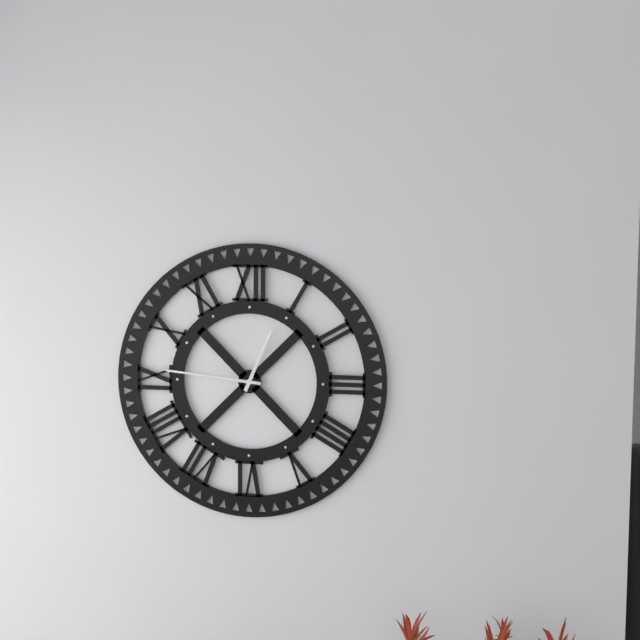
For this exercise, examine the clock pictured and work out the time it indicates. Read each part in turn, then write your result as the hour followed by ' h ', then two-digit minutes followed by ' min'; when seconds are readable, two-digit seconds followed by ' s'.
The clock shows 12 h 46 min
